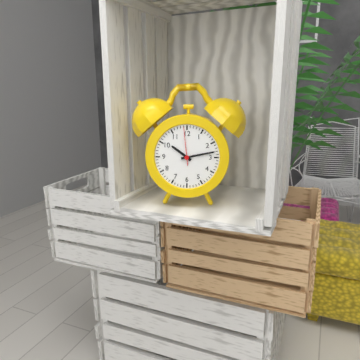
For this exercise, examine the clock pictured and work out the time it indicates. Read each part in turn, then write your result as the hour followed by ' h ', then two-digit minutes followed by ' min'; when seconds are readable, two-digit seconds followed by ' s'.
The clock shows 10 h 13 min
